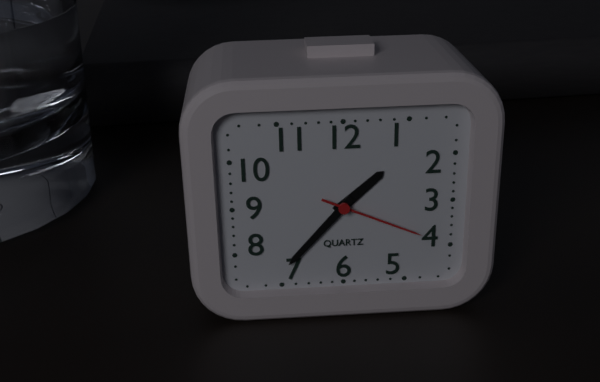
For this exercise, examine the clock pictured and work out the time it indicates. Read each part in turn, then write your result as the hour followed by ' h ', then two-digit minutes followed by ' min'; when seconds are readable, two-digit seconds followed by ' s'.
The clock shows 1 h 37 min 19 s
